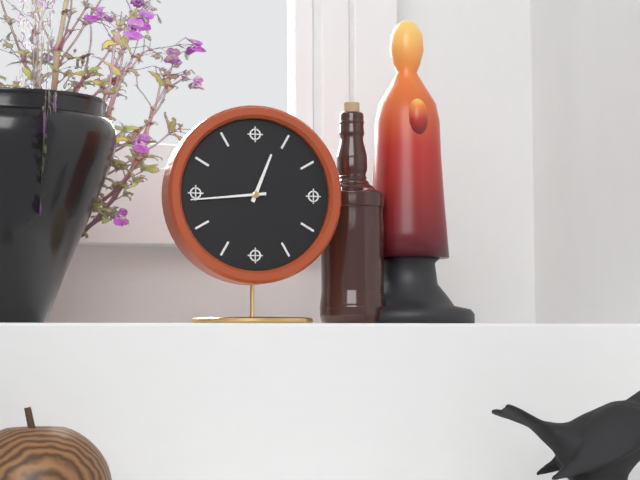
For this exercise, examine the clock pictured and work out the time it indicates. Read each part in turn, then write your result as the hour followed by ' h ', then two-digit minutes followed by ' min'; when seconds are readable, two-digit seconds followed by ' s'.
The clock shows 12 h 44 min
